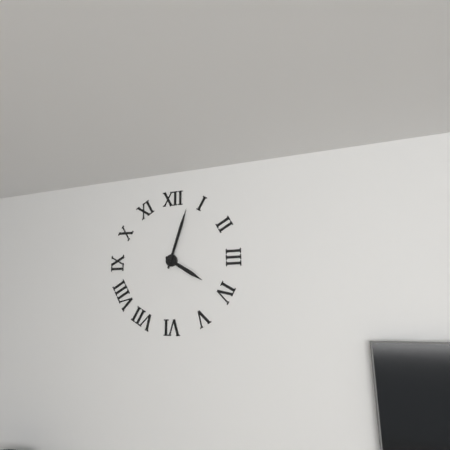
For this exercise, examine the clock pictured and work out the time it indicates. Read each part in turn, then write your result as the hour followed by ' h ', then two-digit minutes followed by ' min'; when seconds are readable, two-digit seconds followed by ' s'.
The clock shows 4 h 03 min
